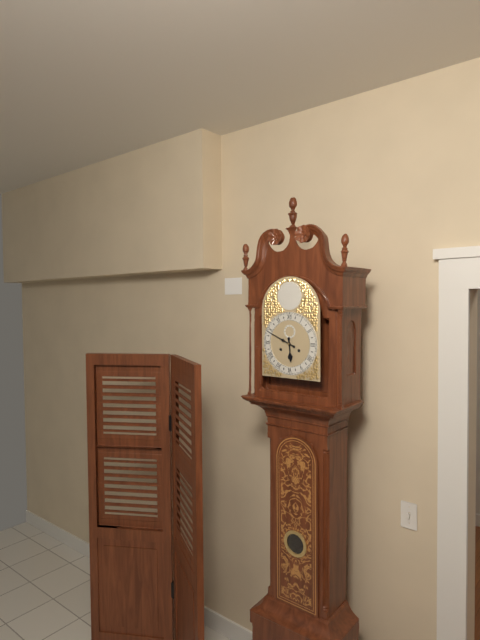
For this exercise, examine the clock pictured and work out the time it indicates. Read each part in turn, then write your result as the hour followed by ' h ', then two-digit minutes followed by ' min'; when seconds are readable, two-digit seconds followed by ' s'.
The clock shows 5 h 49 min
